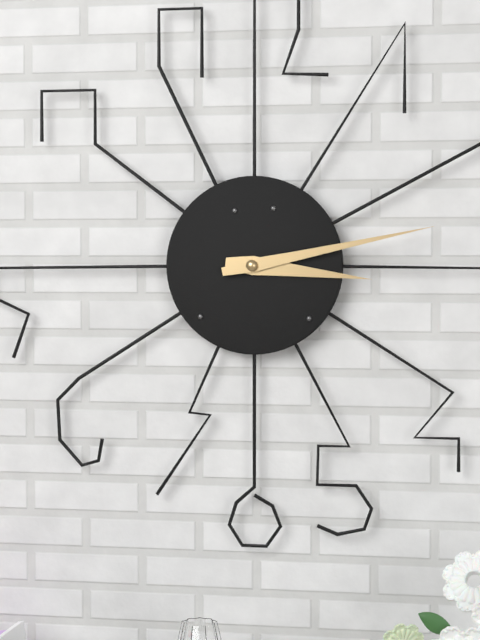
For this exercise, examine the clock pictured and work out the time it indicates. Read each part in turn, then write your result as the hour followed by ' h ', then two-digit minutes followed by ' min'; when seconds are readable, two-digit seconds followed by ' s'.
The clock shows 3 h 13 min
